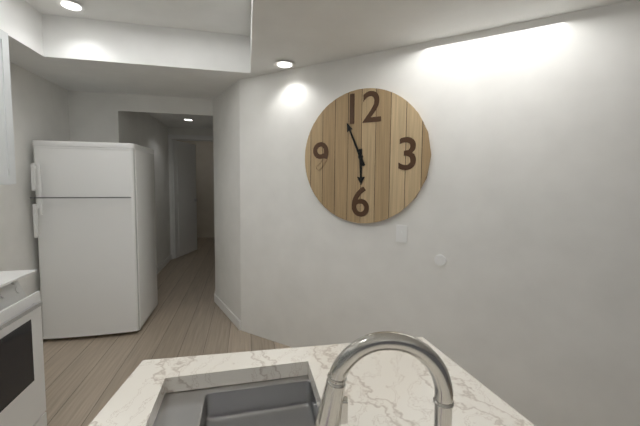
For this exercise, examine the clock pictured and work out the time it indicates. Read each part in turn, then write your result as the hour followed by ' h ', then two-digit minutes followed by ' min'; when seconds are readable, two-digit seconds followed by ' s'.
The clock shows 5 h 56 min
